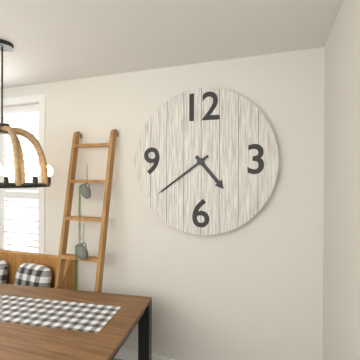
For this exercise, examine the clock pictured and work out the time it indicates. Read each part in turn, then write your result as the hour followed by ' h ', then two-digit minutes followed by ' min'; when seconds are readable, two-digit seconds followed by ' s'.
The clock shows 4 h 39 min
